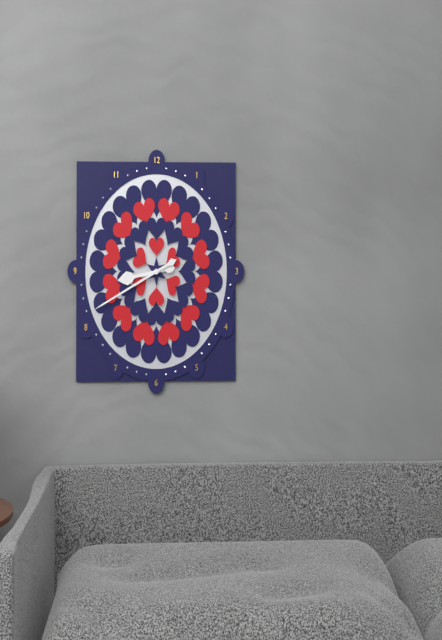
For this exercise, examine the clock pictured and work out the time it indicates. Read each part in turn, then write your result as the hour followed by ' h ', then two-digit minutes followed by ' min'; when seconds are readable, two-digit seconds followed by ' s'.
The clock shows 8 h 41 min
